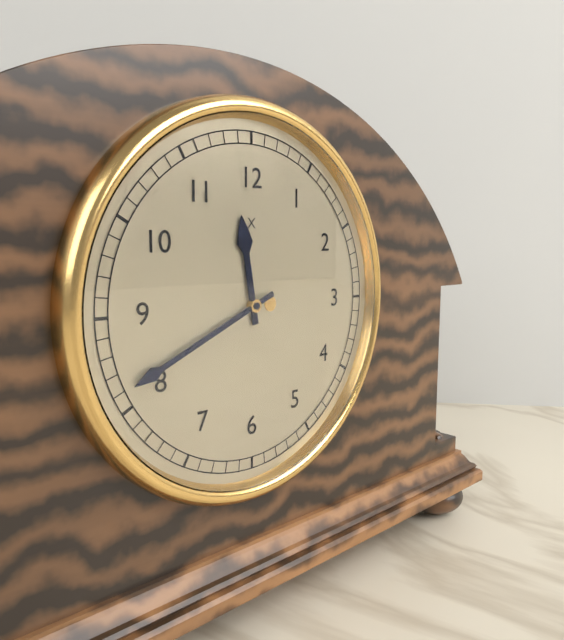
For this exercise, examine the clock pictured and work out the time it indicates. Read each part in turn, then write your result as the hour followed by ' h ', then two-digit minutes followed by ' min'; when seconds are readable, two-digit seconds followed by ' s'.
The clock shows 11 h 41 min
